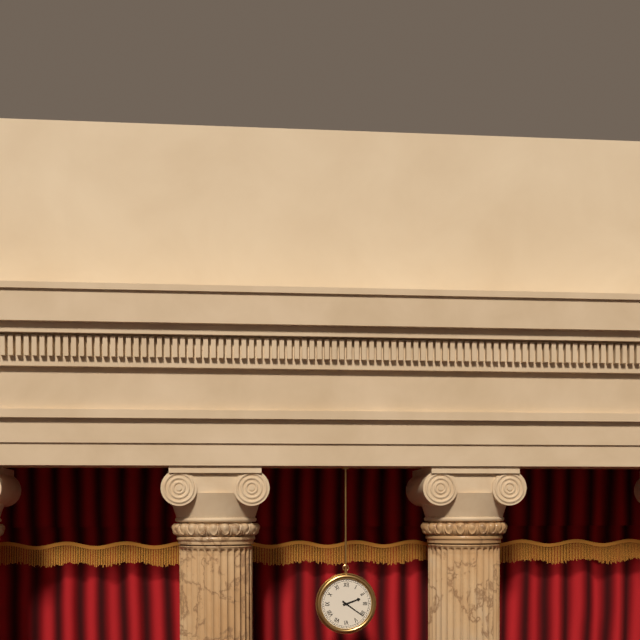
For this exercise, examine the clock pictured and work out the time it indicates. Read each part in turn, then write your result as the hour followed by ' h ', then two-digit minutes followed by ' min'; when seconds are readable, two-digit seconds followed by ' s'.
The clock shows 2 h 21 min
